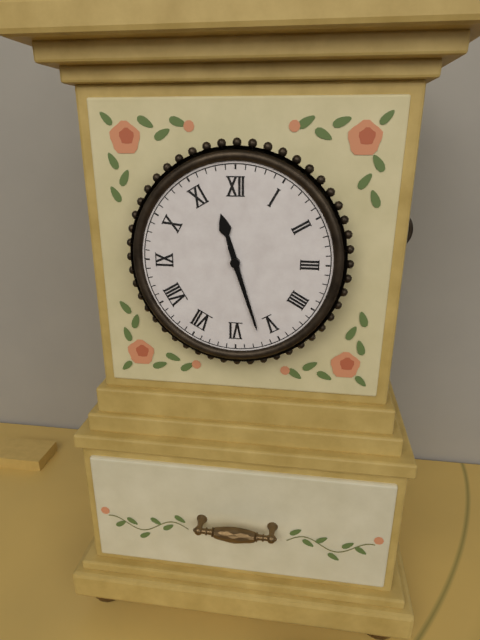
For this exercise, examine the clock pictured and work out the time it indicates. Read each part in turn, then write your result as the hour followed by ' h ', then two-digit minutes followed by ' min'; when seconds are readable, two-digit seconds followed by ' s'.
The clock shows 11 h 27 min
